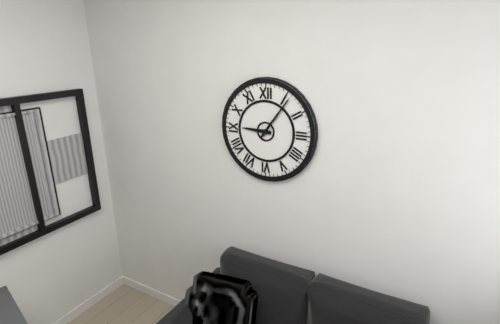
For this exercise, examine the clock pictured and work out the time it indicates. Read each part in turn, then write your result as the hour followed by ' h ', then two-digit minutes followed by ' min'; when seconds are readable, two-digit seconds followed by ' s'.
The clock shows 9 h 06 min
